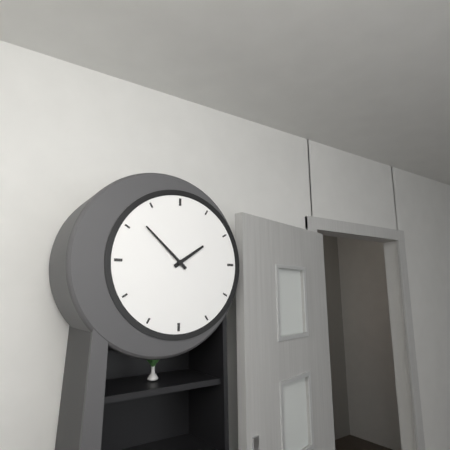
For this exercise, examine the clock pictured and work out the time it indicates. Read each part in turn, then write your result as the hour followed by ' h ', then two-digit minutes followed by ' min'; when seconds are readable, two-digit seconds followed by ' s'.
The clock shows 1 h 52 min
